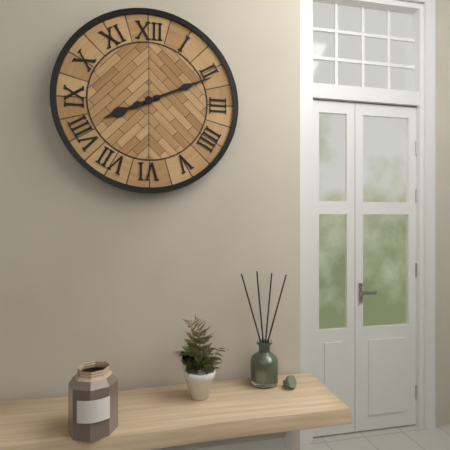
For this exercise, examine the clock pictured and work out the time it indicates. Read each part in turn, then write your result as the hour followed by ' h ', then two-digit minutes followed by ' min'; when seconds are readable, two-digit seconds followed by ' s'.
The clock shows 8 h 11 min
